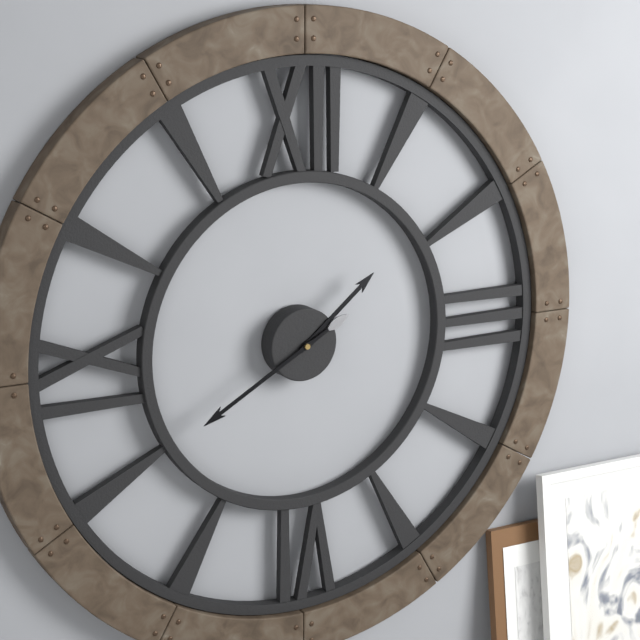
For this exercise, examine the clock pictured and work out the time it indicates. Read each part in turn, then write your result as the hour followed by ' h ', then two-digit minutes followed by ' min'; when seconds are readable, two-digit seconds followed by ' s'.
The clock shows 1 h 40 min
